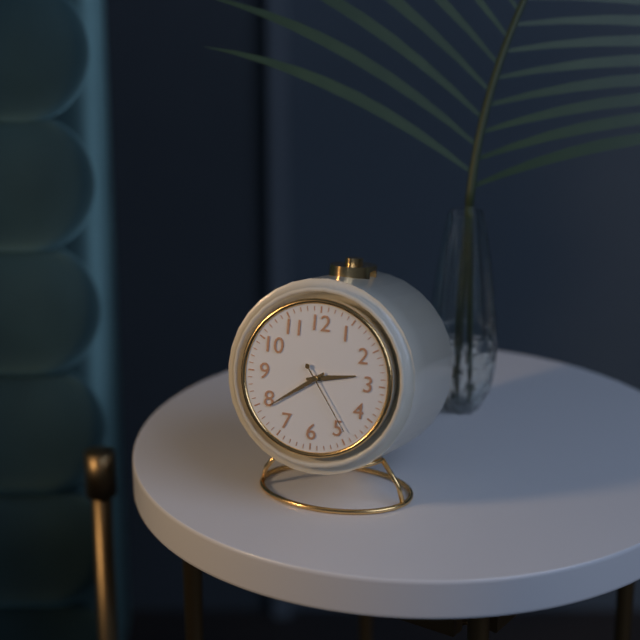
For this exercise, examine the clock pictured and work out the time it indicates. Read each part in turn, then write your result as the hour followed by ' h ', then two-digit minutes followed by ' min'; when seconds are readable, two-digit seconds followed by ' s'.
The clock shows 2 h 39 min 24 s
